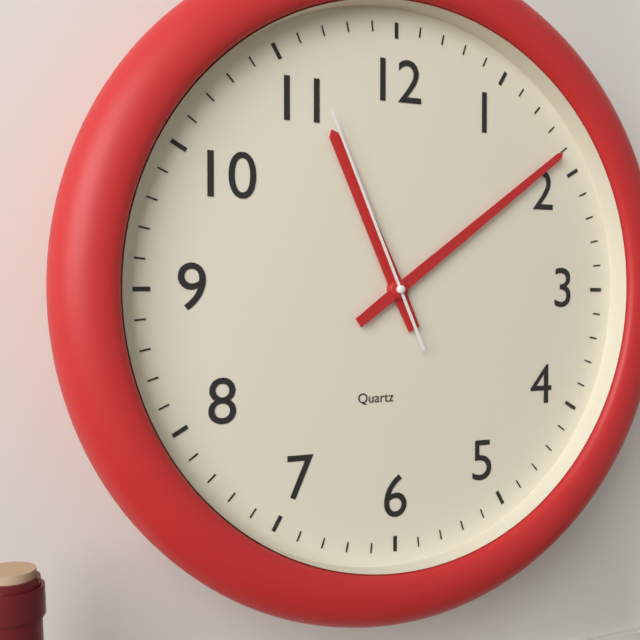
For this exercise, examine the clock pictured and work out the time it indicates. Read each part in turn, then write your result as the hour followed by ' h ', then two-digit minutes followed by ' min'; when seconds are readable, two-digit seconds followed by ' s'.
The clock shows 11 h 09 min 56 s
